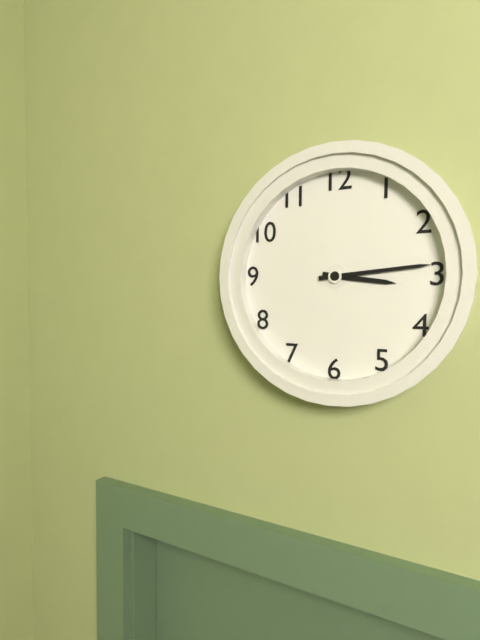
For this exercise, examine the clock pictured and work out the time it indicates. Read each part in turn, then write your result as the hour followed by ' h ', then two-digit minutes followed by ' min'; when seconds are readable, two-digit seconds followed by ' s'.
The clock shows 3 h 14 min
